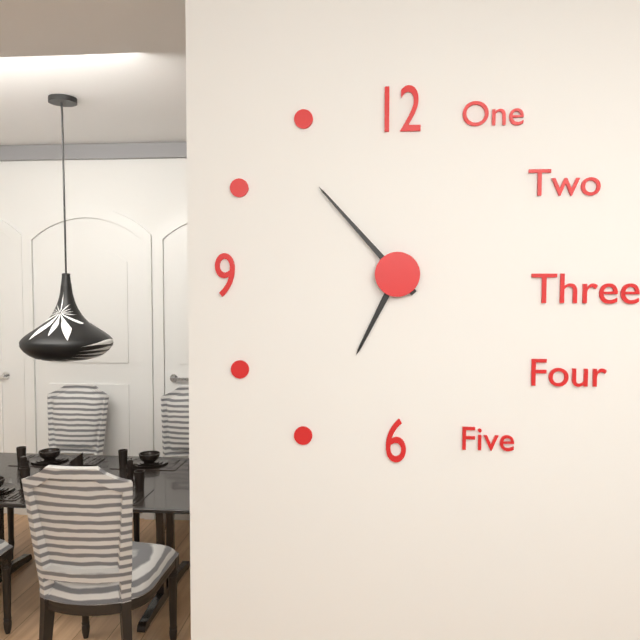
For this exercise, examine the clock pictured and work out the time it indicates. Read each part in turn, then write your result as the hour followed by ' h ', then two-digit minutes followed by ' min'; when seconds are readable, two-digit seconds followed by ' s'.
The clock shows 6 h 53 min
